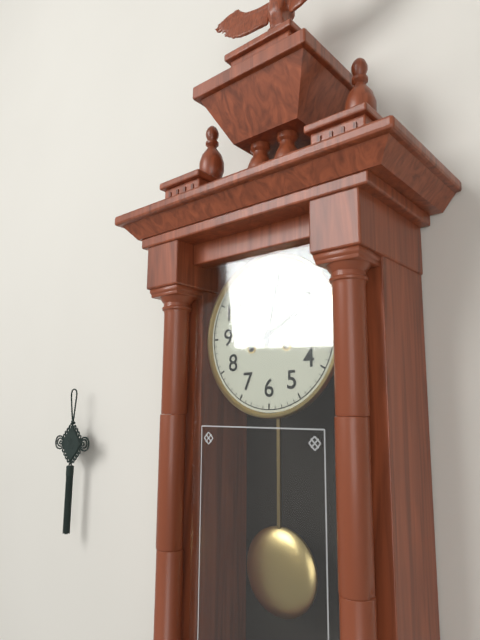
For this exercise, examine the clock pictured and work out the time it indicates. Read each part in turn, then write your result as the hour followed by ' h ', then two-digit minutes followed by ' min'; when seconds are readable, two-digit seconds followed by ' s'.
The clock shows 2 h 02 min
